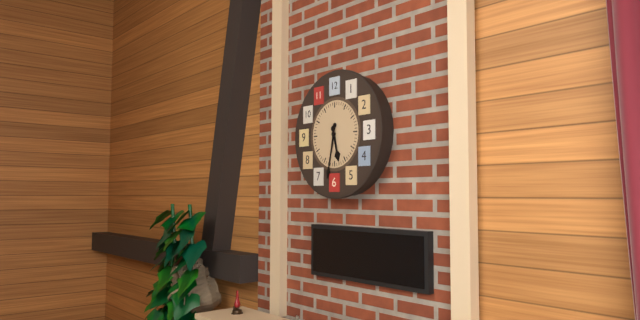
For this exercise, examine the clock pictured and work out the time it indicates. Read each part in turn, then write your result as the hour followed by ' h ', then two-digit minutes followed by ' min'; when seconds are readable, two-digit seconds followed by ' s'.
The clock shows 5 h 32 min
